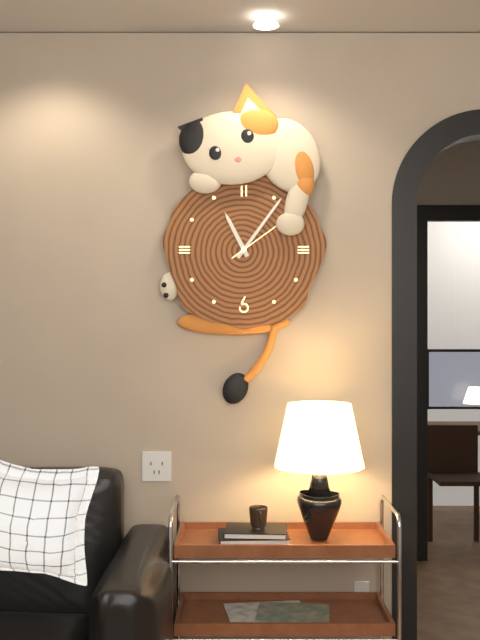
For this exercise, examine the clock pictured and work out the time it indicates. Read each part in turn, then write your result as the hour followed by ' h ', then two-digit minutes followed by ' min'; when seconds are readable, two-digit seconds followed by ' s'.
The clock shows 11 h 06 min
